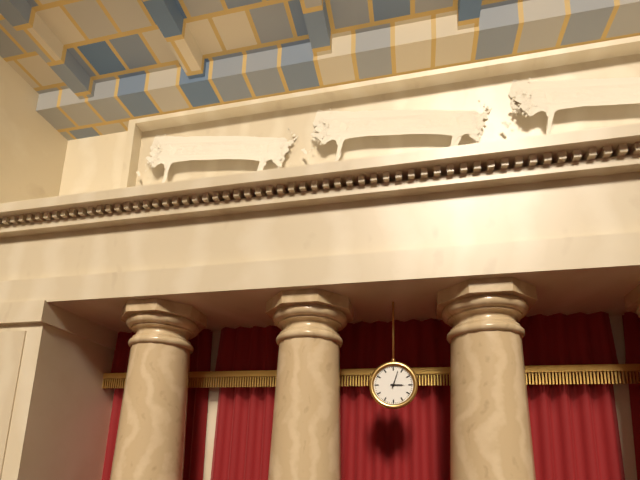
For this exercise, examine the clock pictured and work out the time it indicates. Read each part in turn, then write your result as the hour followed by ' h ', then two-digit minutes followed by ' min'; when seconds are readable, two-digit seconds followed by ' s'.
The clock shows 3 h 03 min
